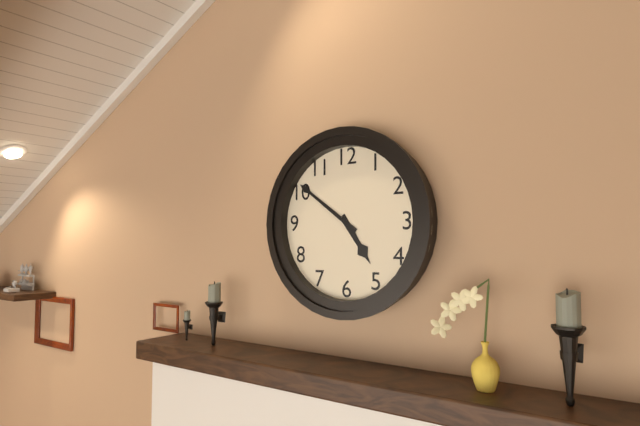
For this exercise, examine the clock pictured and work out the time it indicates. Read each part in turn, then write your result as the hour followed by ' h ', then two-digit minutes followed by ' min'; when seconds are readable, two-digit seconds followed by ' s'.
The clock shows 4 h 51 min
